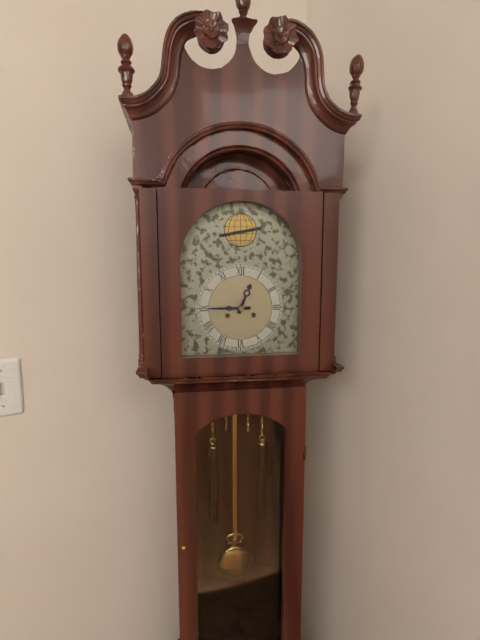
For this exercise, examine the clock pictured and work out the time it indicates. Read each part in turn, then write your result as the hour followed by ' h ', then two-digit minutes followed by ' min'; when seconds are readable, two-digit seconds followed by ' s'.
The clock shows 12 h 45 min
